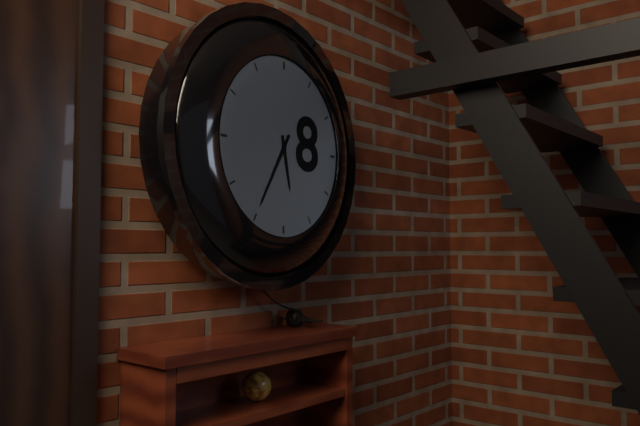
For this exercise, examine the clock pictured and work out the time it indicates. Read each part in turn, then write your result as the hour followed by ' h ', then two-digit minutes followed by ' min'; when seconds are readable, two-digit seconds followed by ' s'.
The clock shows 5 h 35 min
